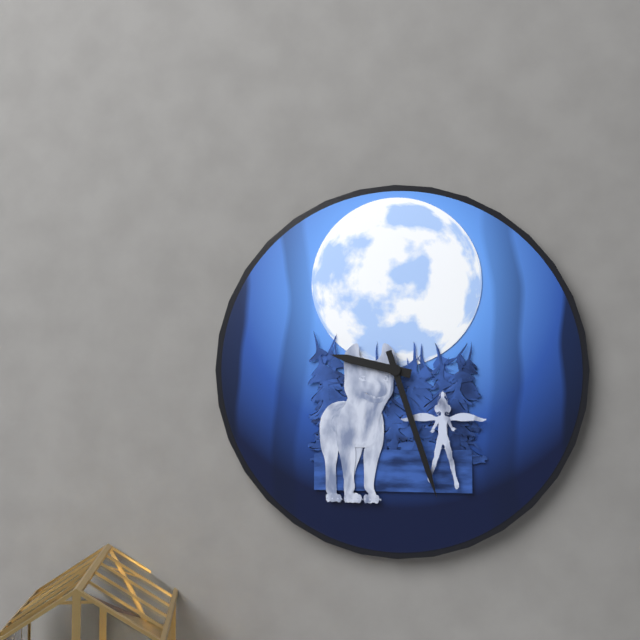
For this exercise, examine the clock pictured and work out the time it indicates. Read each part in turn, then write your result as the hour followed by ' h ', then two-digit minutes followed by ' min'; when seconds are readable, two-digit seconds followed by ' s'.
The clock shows 9 h 27 min
